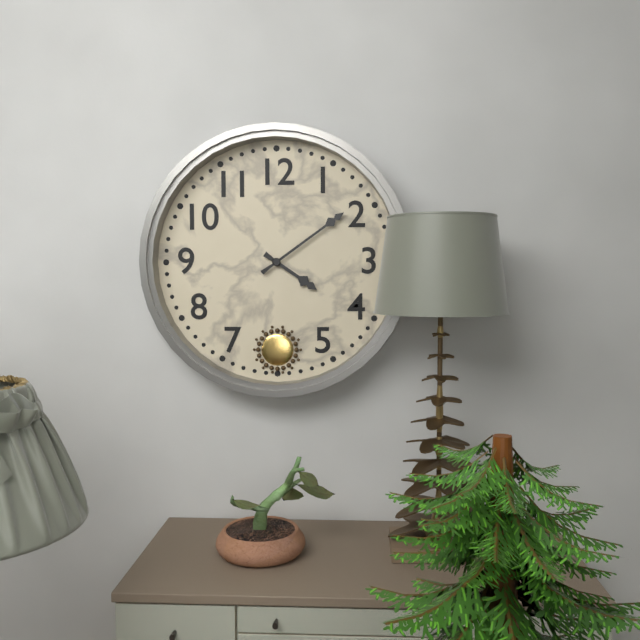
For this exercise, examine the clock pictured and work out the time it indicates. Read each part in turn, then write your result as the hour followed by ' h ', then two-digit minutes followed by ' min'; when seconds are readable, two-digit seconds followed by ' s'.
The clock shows 4 h 09 min
